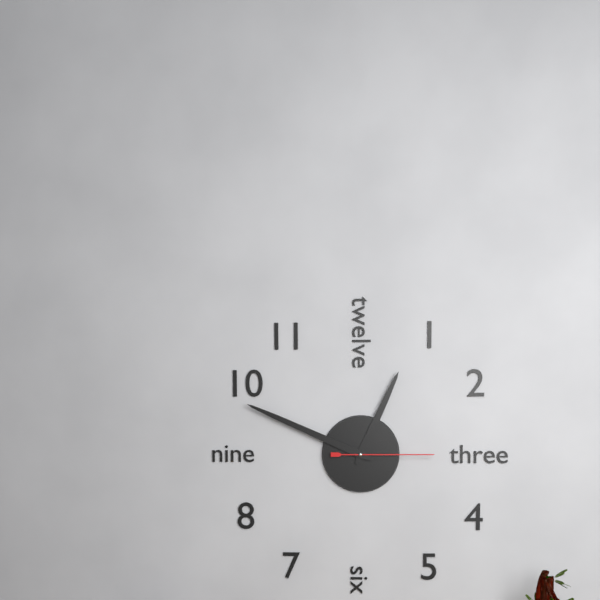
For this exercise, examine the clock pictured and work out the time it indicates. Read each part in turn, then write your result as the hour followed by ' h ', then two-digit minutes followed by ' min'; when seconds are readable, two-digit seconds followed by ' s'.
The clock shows 12 h 49 min 15 s
